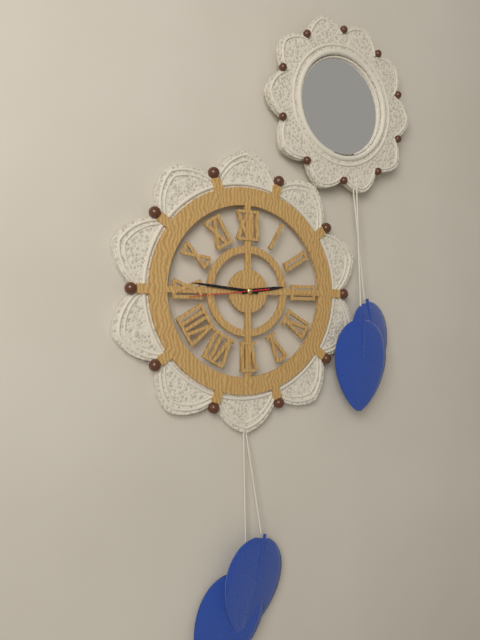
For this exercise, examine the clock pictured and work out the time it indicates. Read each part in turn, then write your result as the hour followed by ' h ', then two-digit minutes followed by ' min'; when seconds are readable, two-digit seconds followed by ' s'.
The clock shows 2 h 46 min 44 s
